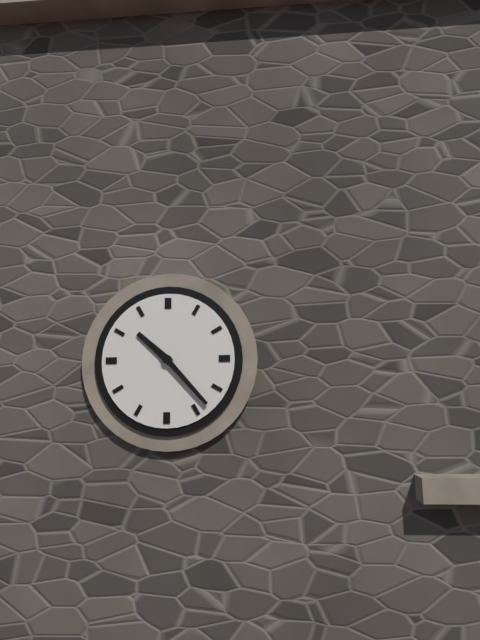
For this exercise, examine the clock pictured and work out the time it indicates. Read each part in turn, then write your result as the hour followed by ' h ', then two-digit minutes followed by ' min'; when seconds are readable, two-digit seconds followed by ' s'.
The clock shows 10 h 23 min
